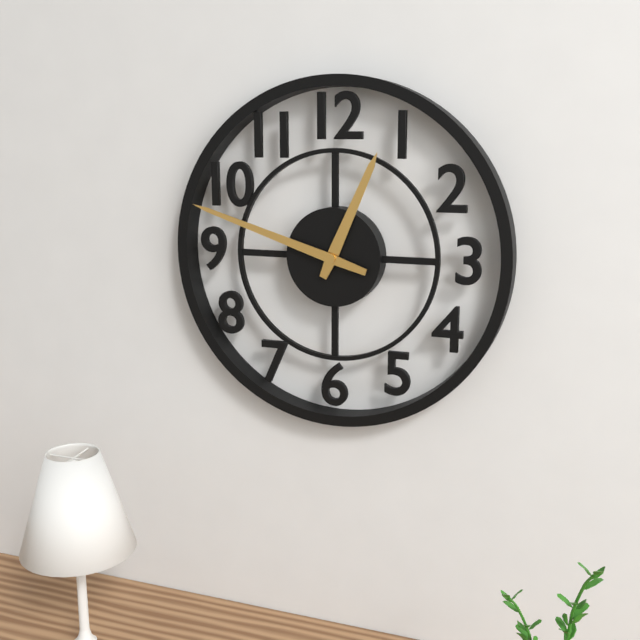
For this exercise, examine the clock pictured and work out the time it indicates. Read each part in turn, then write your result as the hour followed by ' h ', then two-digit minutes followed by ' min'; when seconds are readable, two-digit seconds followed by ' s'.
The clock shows 12 h 48 min
